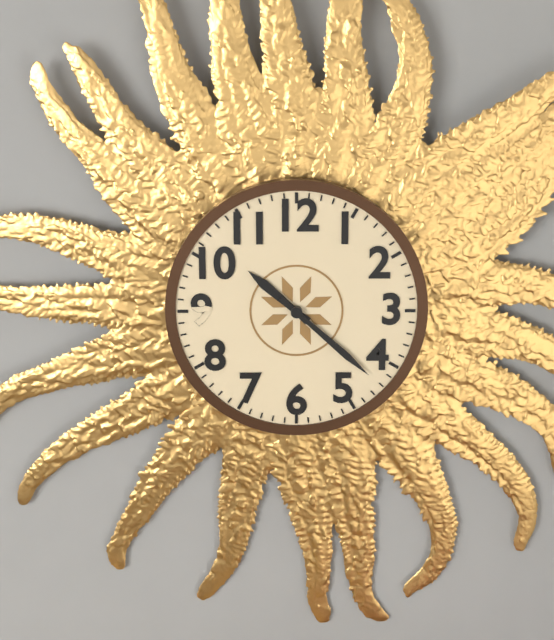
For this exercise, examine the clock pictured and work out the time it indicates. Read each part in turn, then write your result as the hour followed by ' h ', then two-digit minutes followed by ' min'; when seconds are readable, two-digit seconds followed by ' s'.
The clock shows 10 h 22 min
